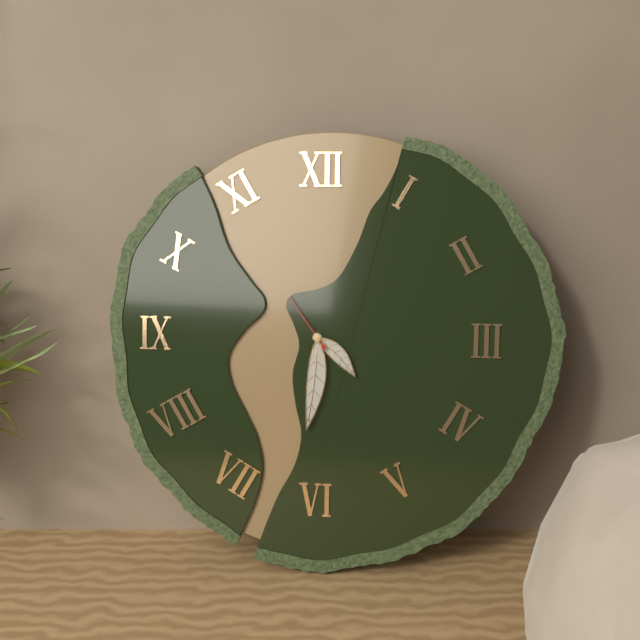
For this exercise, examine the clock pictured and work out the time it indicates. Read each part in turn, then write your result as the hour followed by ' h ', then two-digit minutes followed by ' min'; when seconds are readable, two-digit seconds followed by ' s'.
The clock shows 4 h 31 min 54 s
